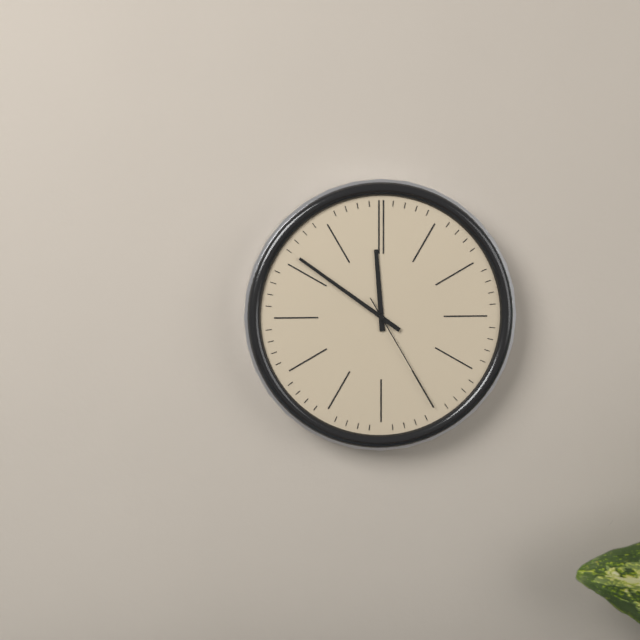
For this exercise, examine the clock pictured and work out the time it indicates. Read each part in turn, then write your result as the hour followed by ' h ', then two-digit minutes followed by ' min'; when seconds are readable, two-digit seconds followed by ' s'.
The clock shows 11 h 51 min 25 s
